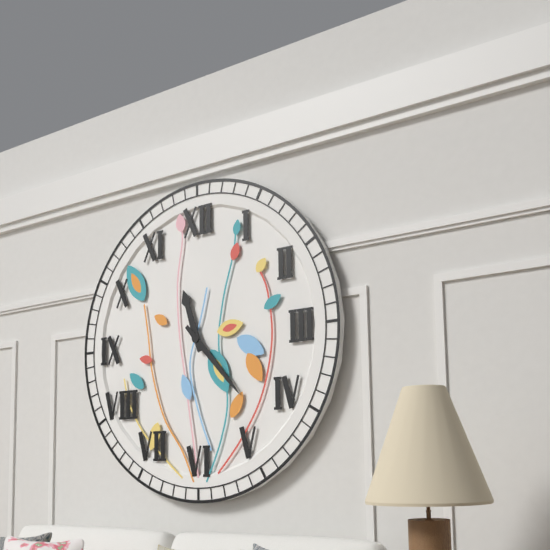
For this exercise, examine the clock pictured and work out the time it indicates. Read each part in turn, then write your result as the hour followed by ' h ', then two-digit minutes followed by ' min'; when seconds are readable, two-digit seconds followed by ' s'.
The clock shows 11 h 23 min
